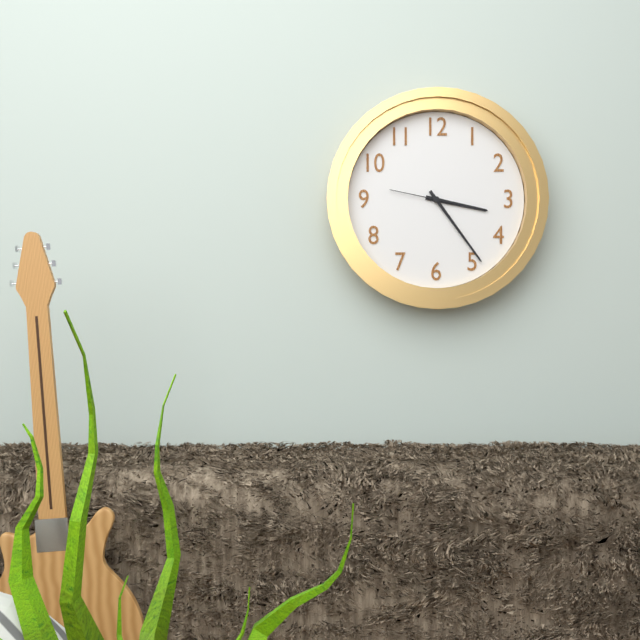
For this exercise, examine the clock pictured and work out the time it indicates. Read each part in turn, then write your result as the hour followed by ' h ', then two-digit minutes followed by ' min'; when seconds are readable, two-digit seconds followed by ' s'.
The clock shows 3 h 24 min 47 s
